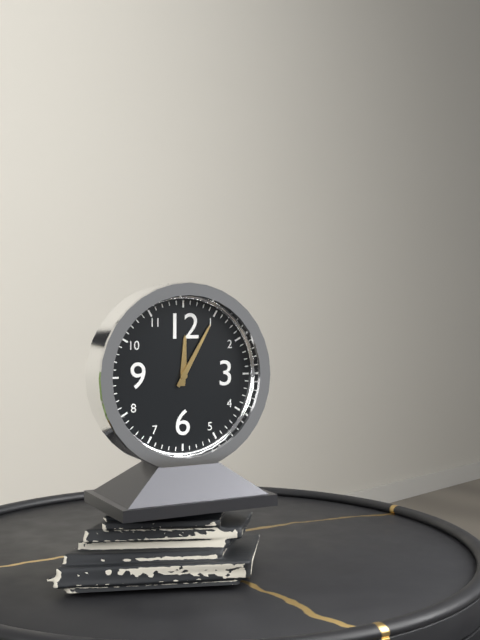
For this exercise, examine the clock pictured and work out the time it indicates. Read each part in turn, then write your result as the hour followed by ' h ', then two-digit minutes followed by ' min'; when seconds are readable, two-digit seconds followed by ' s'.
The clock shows 12 h 05 min
